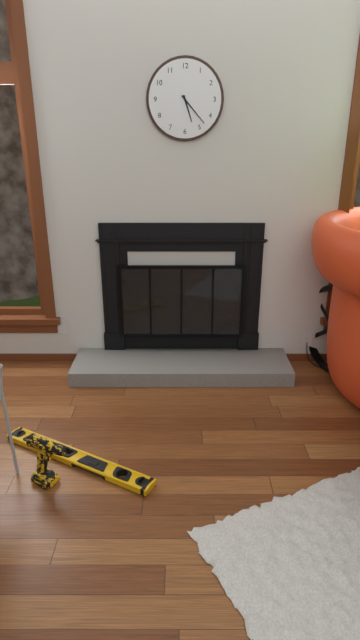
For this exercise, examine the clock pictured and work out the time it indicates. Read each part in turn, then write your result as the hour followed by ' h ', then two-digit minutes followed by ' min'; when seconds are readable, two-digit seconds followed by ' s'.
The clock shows 5 h 23 min
